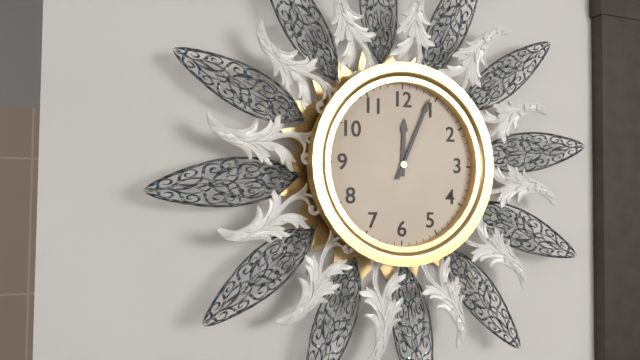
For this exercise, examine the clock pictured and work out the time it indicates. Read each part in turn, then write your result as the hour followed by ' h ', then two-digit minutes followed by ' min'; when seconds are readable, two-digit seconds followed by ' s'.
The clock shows 12 h 04 min
